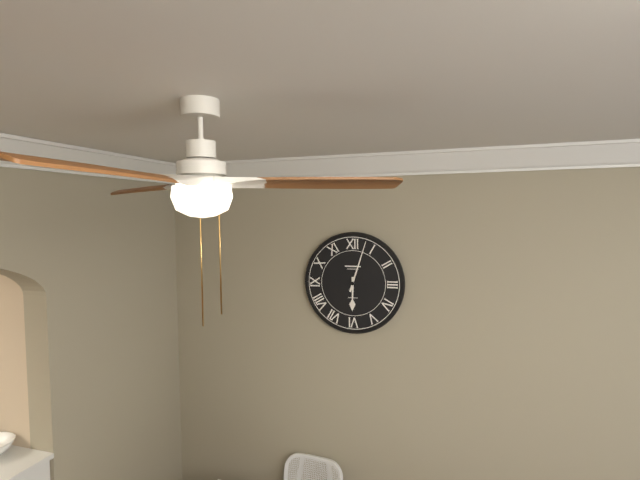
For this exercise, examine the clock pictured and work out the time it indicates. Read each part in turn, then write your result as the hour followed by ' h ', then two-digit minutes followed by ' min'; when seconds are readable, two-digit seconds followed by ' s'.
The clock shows 6 h 03 min
